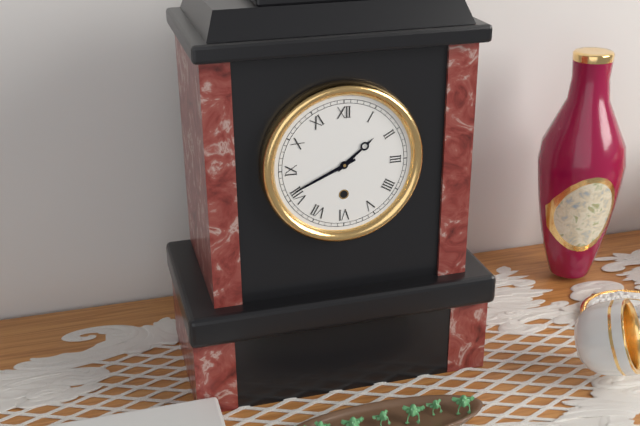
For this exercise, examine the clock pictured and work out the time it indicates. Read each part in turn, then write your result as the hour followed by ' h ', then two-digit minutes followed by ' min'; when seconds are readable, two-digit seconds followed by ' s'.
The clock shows 1 h 41 min
